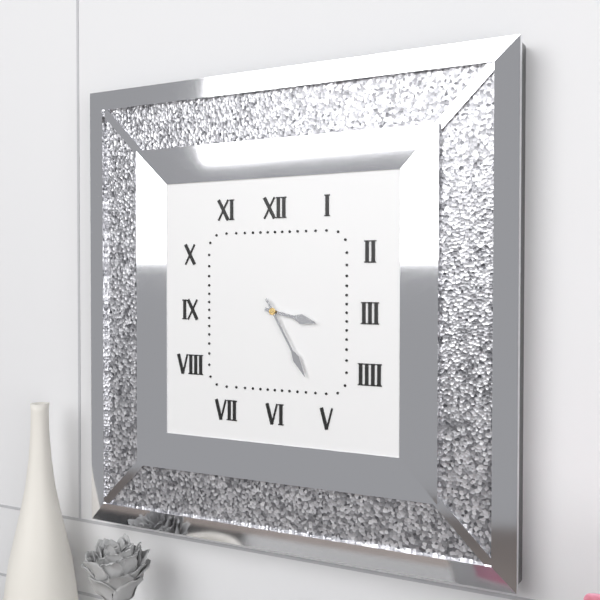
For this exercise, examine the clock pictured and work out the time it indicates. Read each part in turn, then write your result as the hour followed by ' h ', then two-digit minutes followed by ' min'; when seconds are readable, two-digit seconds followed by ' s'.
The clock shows 3 h 25 min
